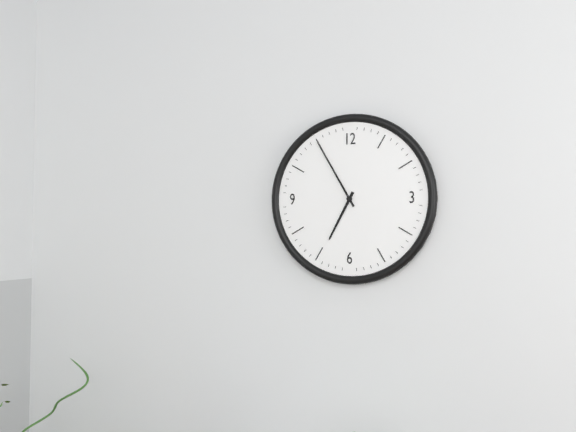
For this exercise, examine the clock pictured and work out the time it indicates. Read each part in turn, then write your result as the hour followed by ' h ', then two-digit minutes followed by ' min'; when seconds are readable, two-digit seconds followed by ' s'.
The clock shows 6 h 55 min
